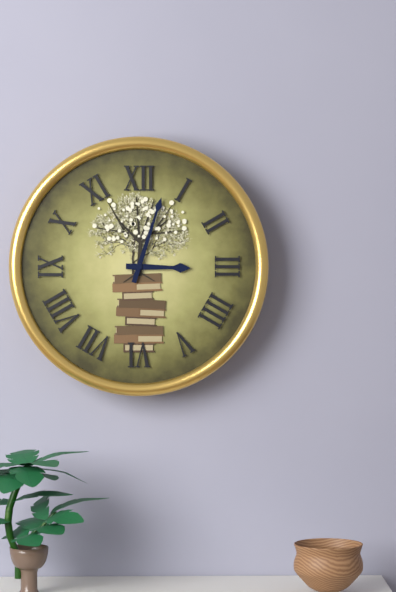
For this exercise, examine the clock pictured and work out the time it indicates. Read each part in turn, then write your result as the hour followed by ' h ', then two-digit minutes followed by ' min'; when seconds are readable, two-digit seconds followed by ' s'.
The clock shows 3 h 03 min
